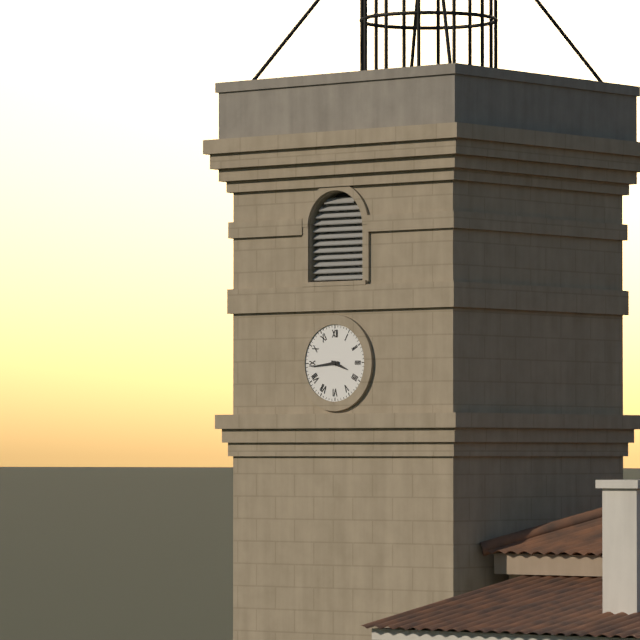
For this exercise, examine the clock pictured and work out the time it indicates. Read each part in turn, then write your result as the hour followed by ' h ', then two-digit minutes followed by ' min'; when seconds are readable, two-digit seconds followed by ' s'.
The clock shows 3 h 44 min
